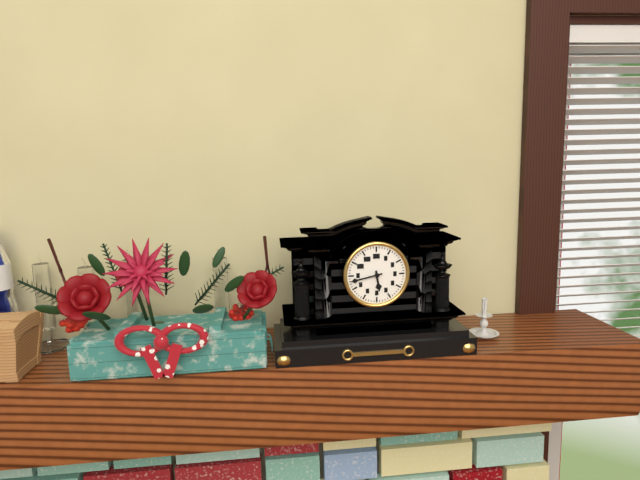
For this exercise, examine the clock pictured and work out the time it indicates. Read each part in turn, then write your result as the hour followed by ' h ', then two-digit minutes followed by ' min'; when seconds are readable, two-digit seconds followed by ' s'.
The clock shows 5 h 43 min
